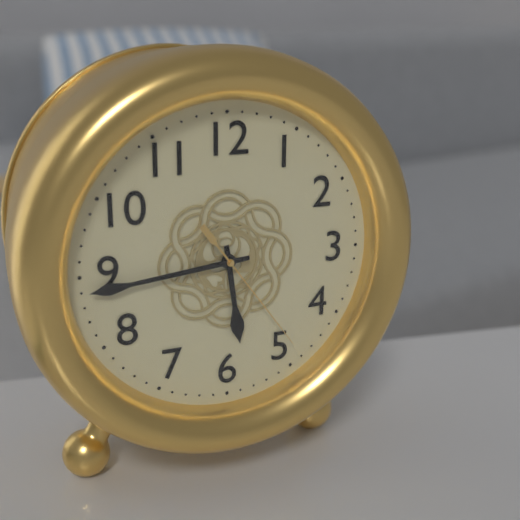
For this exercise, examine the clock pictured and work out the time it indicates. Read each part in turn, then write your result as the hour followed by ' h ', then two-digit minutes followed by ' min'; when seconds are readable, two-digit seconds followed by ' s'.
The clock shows 5 h 44 min 24 s
